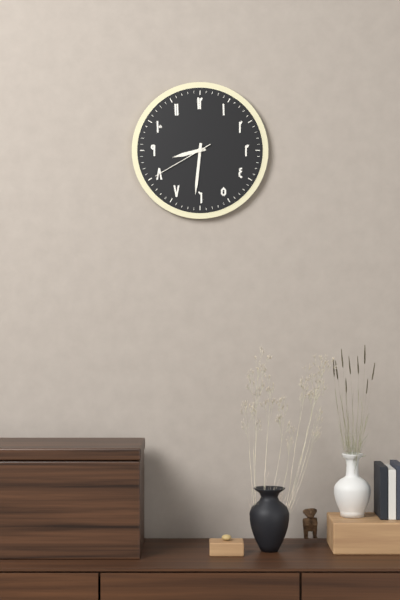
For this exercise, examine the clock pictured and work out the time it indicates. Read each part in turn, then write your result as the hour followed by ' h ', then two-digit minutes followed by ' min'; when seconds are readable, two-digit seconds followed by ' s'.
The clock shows 8 h 31 min 40 s
